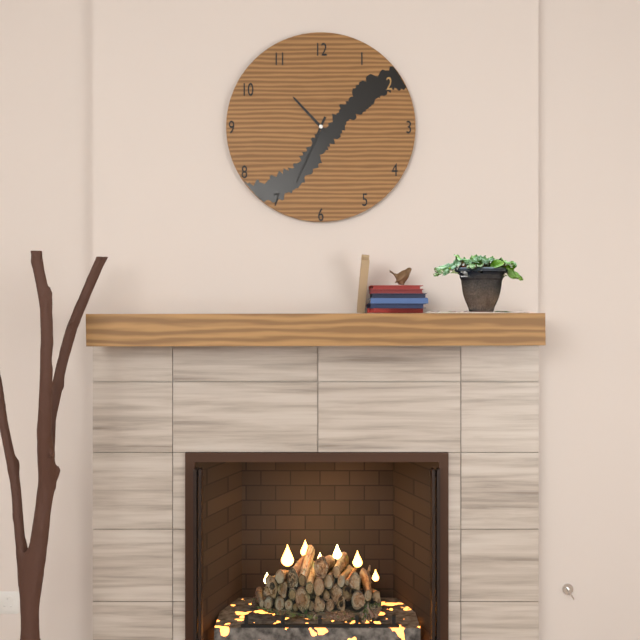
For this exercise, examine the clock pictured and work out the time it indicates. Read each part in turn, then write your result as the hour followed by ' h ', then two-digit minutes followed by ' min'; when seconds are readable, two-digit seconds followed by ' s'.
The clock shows 10 h 34 min
